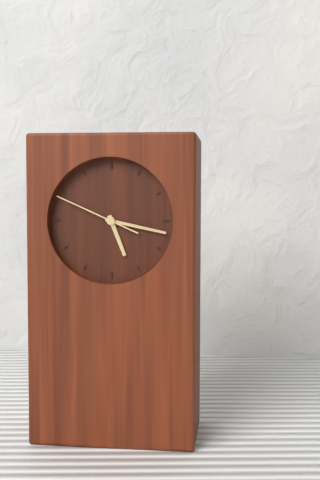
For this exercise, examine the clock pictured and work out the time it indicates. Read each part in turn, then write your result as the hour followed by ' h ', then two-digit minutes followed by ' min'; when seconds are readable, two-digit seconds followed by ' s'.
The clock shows 5 h 17 min 49 s
